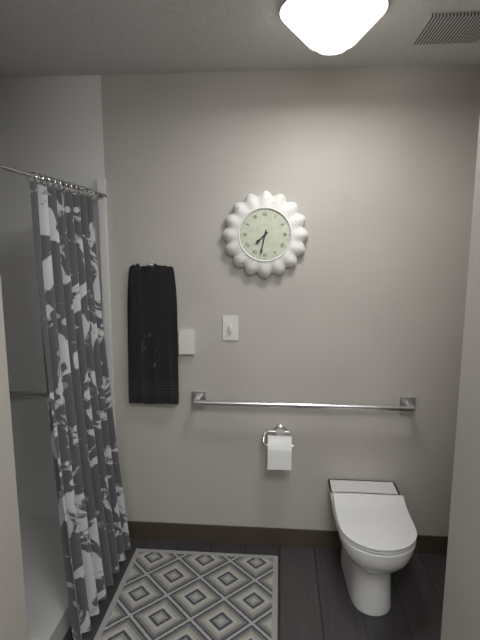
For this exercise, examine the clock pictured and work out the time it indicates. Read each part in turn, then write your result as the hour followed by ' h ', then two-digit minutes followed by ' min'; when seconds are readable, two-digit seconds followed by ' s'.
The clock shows 7 h 32 min
